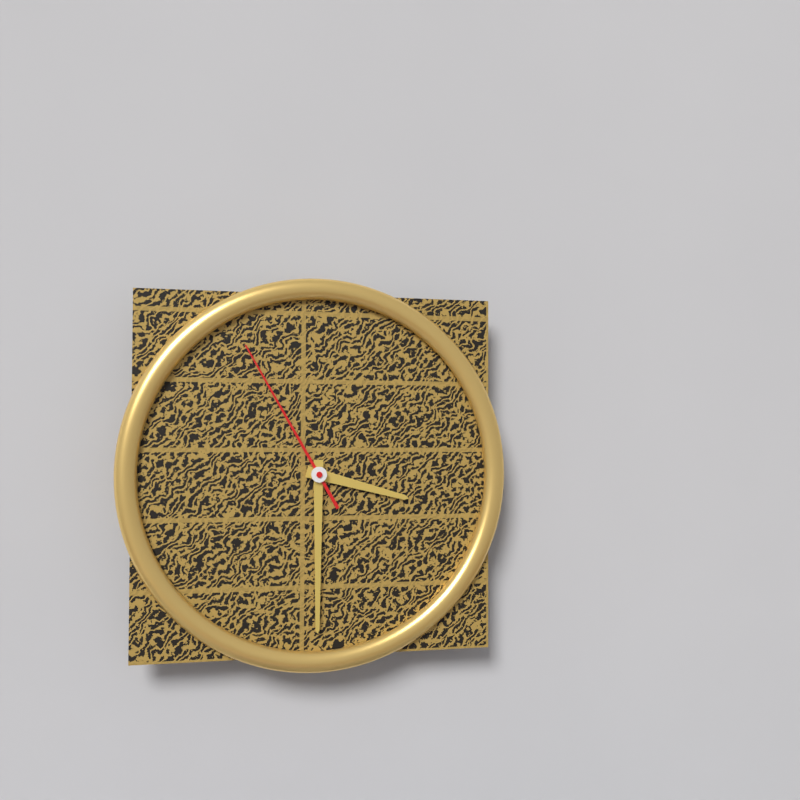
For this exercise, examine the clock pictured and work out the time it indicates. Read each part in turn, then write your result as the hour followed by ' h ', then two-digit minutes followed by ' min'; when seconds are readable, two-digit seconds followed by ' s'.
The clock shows 3 h 30 min 55 s
